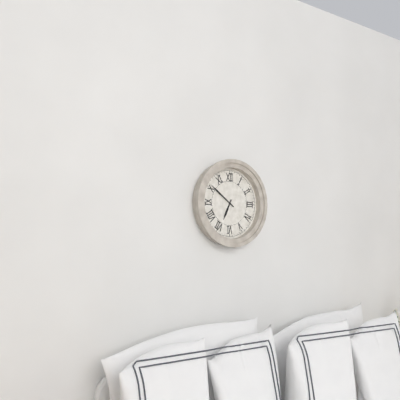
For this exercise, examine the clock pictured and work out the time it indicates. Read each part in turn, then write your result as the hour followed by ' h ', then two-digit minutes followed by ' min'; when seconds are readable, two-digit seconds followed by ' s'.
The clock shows 6 h 51 min
